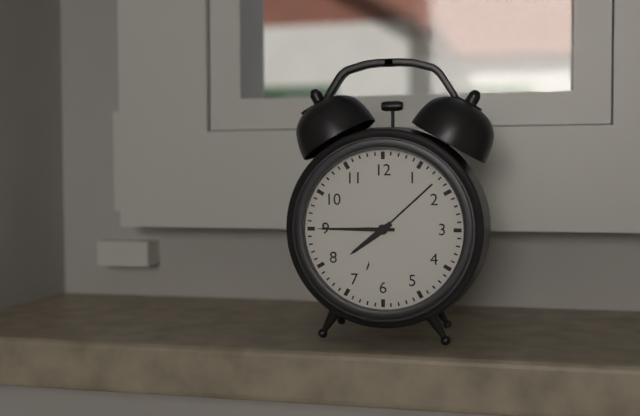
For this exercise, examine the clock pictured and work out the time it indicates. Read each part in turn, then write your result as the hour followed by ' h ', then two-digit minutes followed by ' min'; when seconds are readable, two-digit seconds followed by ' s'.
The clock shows 7 h 45 min
